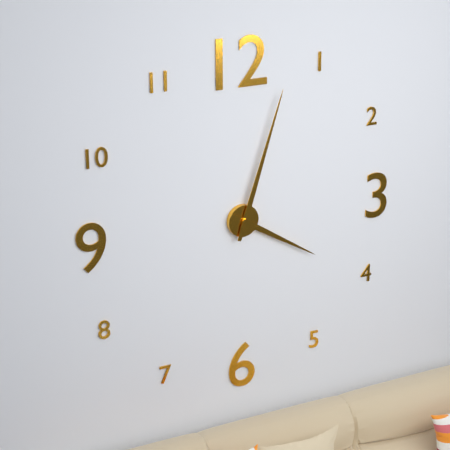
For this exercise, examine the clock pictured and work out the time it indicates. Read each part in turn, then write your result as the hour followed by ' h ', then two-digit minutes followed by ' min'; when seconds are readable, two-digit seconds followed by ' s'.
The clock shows 4 h 03 min
